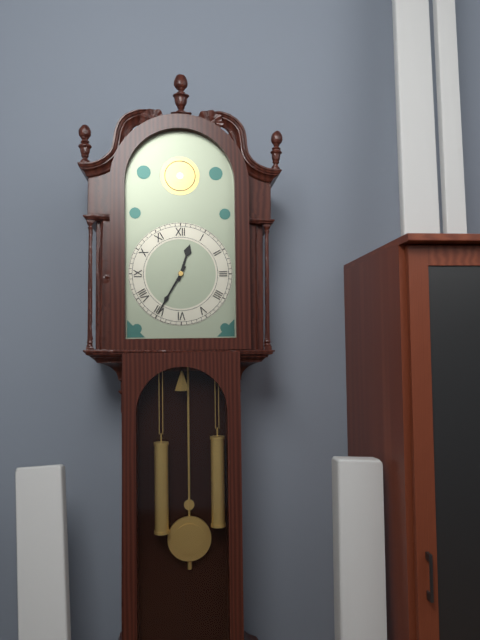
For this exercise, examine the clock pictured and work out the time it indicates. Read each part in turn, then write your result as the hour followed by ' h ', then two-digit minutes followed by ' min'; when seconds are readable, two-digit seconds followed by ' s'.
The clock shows 12 h 35 min
